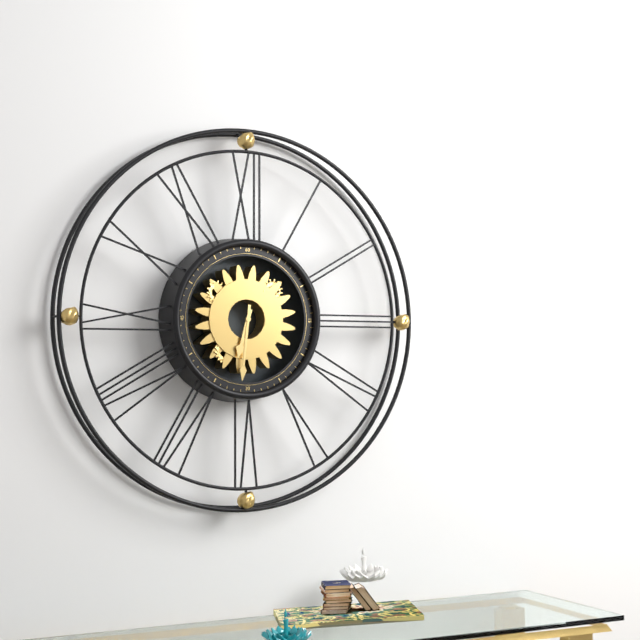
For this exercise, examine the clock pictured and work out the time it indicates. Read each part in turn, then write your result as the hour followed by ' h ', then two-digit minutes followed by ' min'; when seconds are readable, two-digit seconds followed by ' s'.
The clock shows 6 h 31 min
